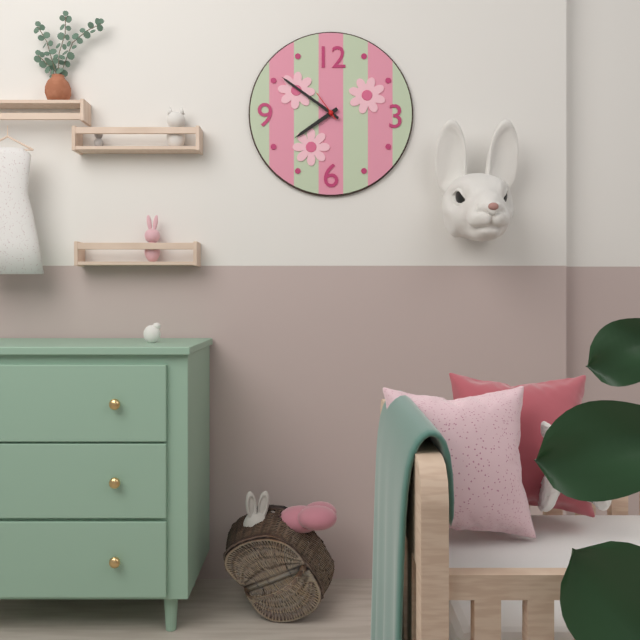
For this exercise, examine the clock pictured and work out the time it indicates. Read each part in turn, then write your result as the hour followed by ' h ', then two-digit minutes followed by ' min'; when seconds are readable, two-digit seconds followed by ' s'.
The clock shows 7 h 51 min
